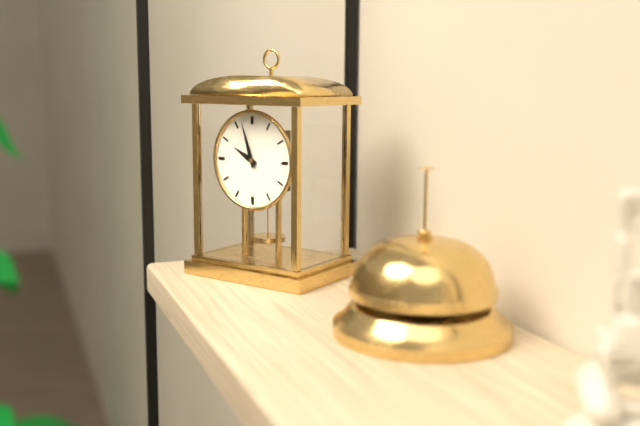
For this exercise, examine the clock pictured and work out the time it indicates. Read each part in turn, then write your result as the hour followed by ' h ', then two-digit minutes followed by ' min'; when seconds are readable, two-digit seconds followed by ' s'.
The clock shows 9 h 57 min
